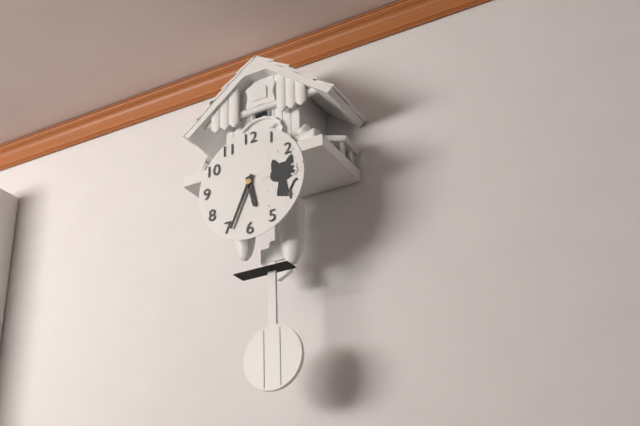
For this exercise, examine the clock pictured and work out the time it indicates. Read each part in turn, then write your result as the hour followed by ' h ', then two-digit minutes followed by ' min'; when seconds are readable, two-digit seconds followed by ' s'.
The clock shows 5 h 34 min
